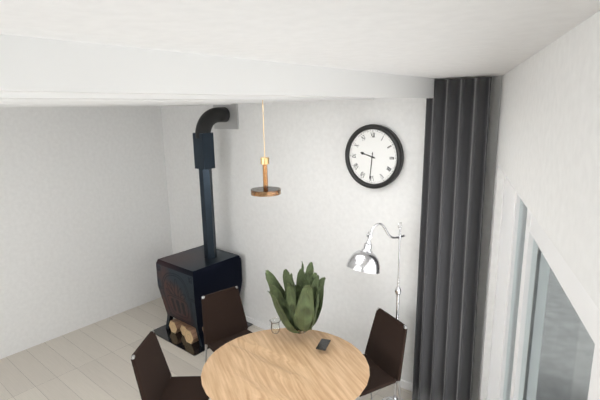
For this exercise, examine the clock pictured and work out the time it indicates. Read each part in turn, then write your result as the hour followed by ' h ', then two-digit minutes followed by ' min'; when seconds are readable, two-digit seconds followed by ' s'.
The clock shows 9 h 31 min
